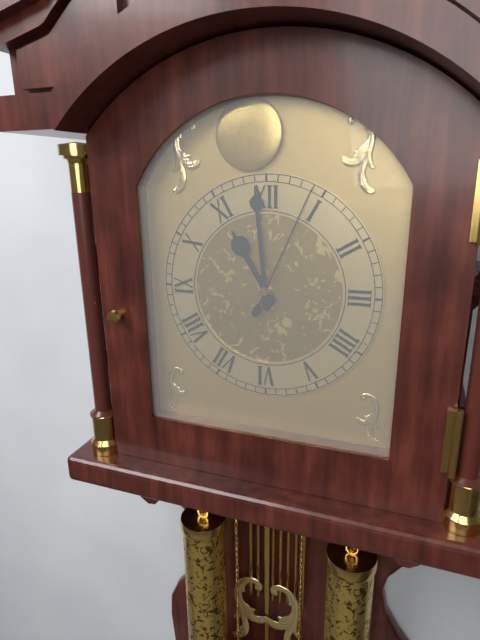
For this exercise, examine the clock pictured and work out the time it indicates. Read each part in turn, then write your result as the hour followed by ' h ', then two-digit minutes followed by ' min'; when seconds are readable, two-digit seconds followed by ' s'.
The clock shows 10 h 59 min 04 s
